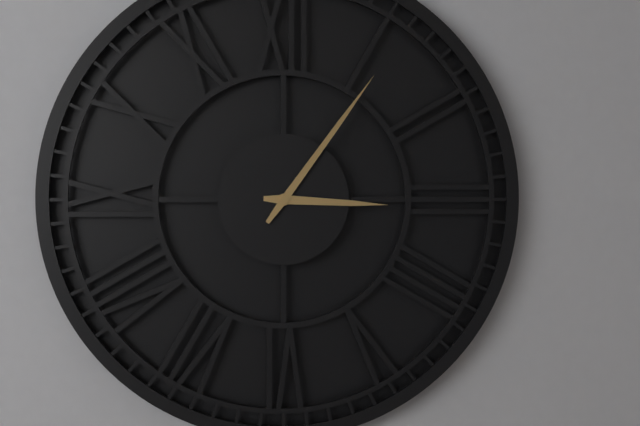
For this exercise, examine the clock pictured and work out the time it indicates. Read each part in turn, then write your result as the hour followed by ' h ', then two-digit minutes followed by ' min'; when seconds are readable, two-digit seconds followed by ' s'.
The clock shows 3 h 06 min
